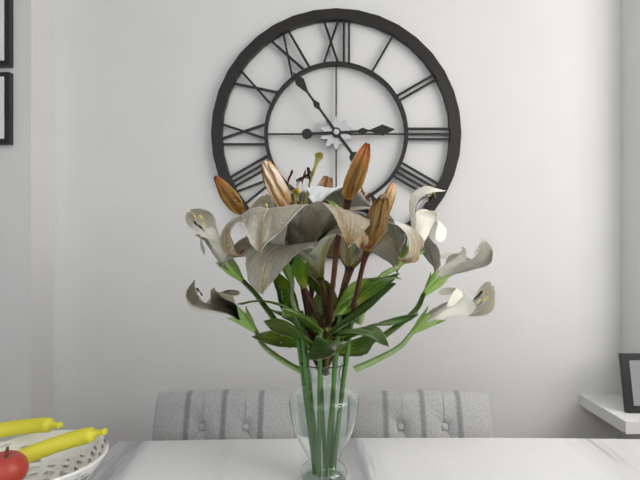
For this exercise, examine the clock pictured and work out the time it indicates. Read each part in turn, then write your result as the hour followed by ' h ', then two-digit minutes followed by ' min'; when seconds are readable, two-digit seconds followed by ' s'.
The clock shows 2 h 54 min
